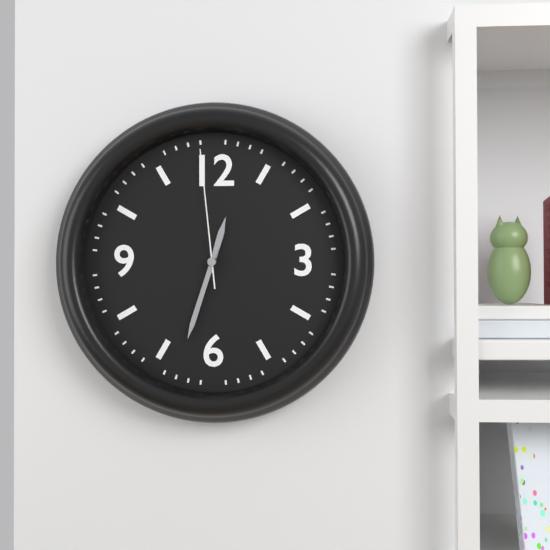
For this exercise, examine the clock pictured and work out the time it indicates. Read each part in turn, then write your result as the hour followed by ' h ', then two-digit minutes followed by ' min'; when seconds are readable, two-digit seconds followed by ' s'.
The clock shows 12 h 33 min 59 s
